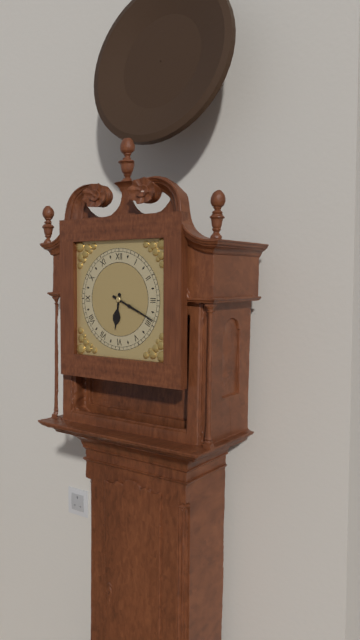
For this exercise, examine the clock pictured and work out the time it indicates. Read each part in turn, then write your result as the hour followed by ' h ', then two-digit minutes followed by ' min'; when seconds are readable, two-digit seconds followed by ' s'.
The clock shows 6 h 19 min
